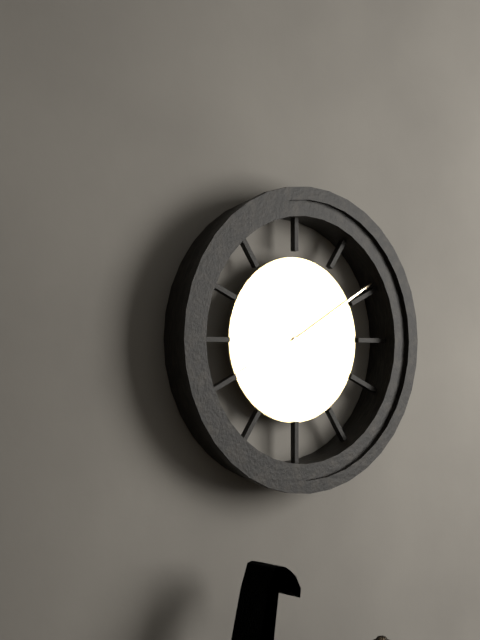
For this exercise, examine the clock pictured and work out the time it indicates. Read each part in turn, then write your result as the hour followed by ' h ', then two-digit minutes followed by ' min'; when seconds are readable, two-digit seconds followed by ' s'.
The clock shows 8 h 10 min
